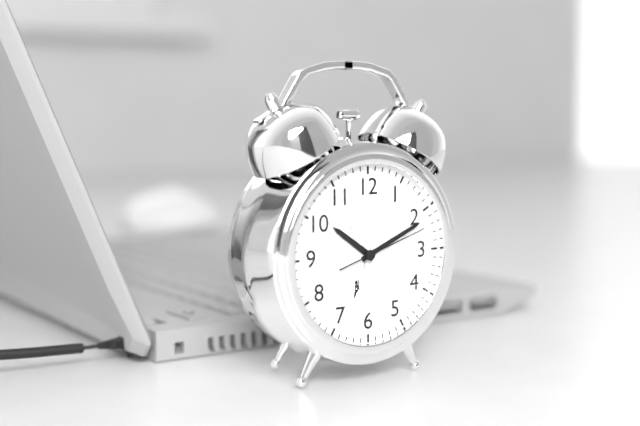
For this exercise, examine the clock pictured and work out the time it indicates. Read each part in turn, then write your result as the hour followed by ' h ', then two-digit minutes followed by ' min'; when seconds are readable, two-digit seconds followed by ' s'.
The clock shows 10 h 11 min 12 s
